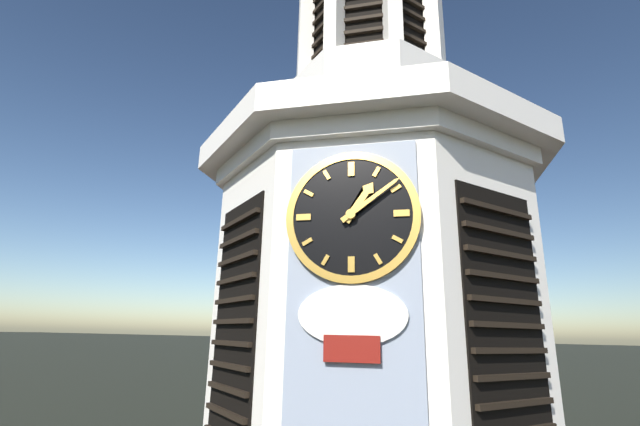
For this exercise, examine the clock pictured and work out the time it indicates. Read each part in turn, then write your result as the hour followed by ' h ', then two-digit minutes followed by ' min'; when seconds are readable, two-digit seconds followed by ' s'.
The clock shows 1 h 09 min
